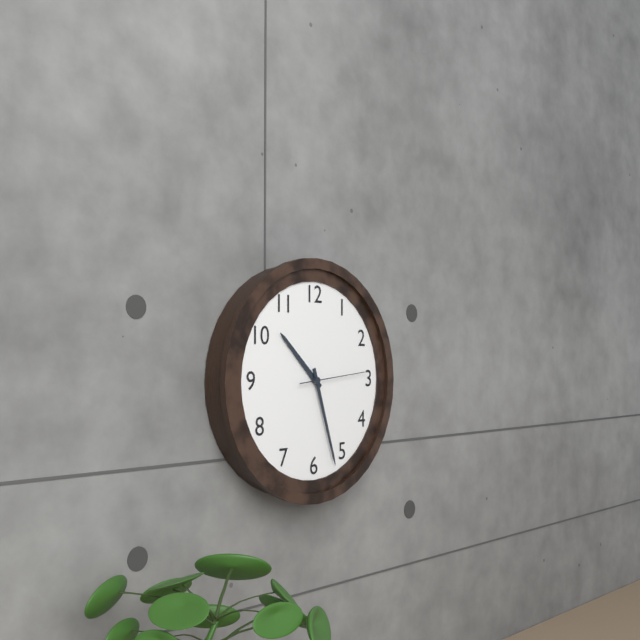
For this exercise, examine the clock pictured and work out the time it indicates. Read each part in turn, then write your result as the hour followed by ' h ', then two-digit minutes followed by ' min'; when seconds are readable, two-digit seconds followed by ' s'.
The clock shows 10 h 27 min 14 s
